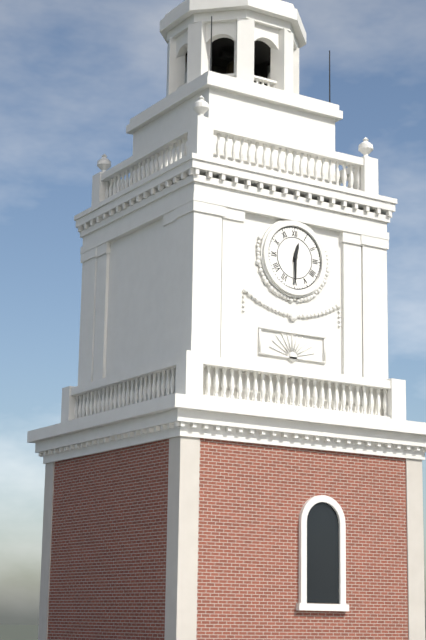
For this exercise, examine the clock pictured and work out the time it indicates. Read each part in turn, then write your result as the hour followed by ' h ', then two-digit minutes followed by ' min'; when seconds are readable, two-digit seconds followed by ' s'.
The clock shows 12 h 30 min
